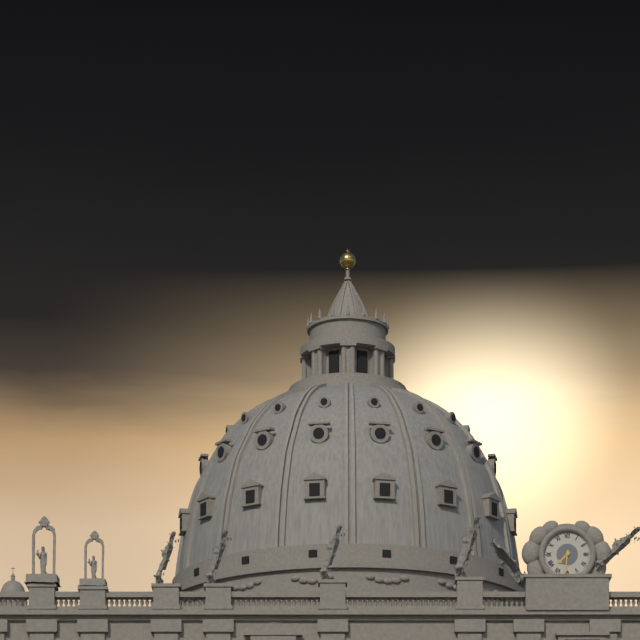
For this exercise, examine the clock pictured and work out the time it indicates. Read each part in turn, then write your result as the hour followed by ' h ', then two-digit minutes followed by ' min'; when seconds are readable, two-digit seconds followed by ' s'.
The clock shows 7 h 31 min
